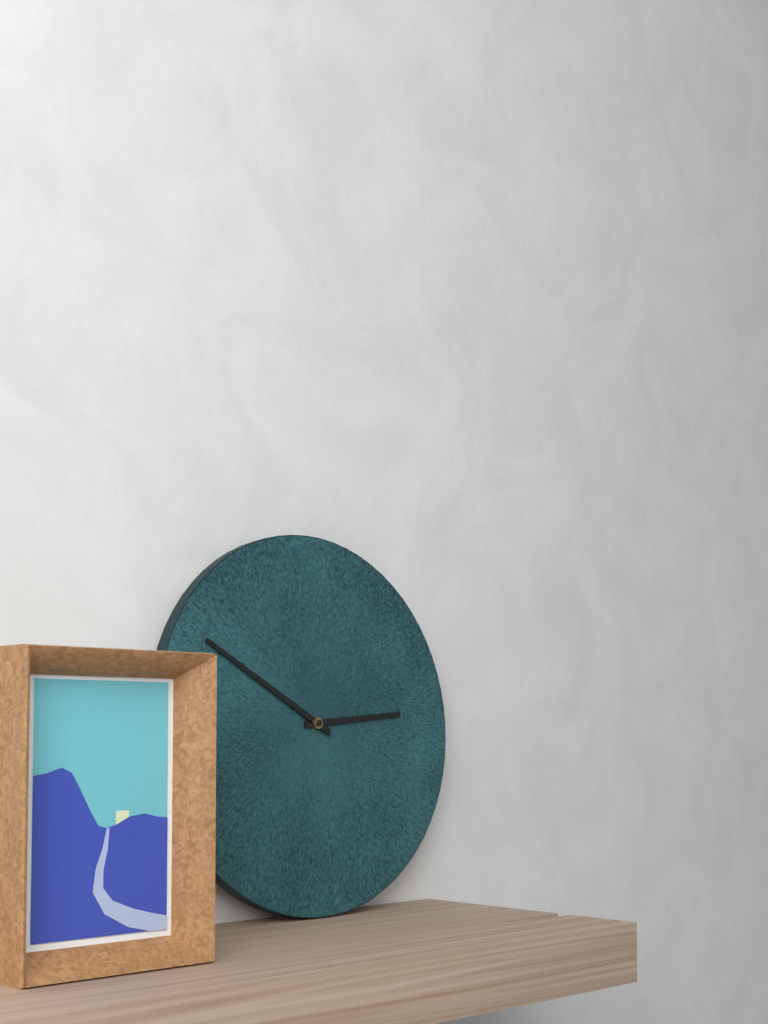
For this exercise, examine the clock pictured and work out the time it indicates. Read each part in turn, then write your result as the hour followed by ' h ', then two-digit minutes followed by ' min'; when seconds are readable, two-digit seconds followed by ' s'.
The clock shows 2 h 50 min
